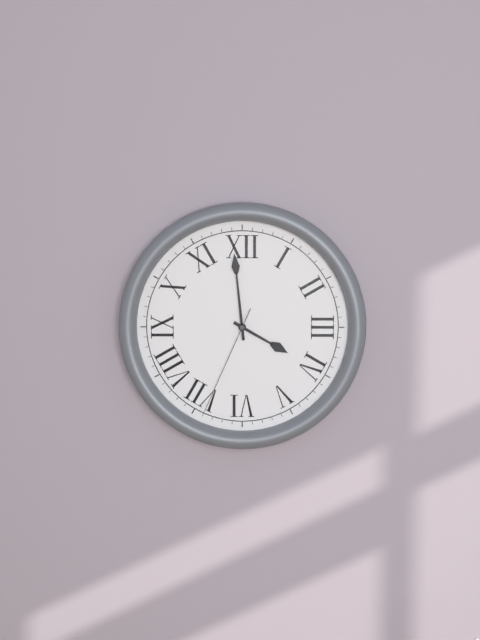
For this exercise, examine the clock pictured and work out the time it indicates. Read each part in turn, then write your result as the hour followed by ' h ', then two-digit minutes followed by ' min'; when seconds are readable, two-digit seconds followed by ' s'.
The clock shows 3 h 59 min 34 s
